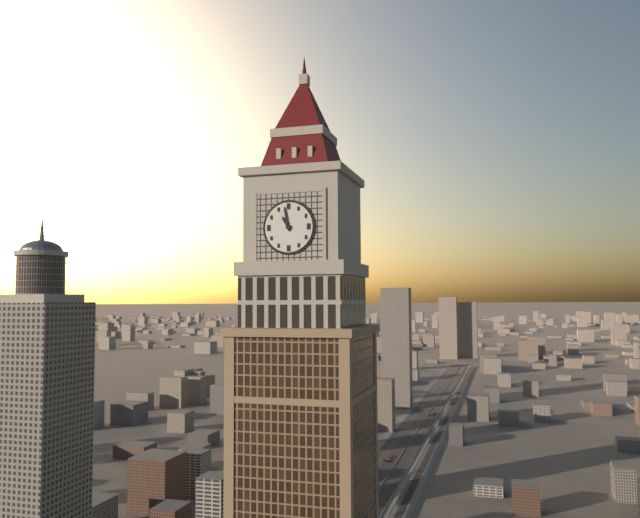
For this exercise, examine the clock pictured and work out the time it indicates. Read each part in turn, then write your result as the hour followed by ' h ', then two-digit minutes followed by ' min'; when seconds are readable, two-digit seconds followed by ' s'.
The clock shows 10 h 58 min
